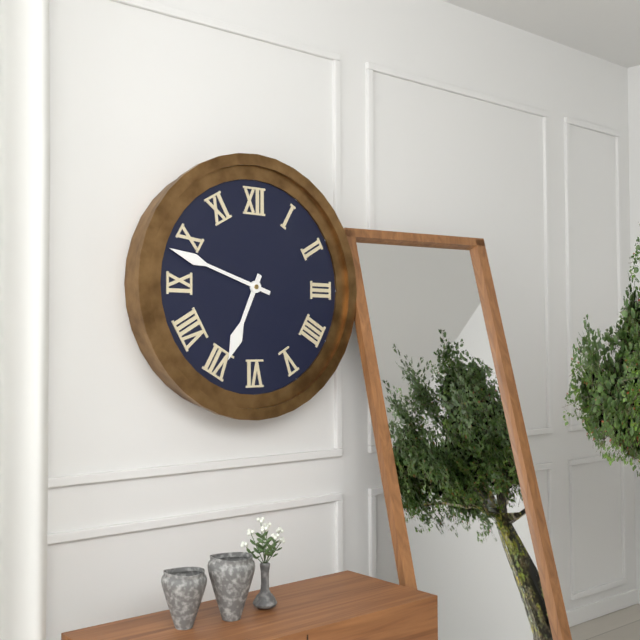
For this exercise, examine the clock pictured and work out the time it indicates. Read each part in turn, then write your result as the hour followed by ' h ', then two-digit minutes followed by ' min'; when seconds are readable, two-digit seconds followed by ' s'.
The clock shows 6 h 48 min
